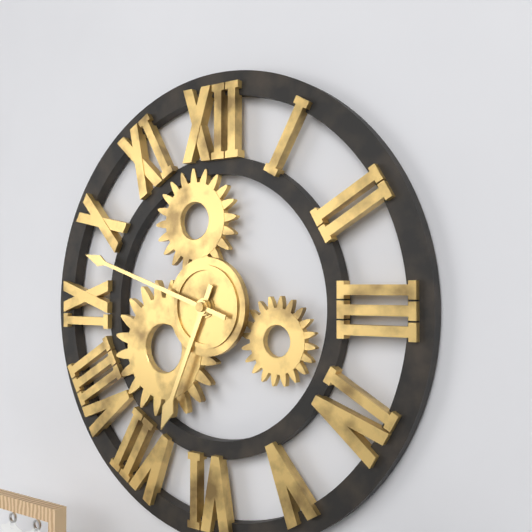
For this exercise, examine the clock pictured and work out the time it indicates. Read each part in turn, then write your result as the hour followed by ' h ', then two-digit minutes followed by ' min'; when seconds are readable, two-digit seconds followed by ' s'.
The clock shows 6 h 48 min
